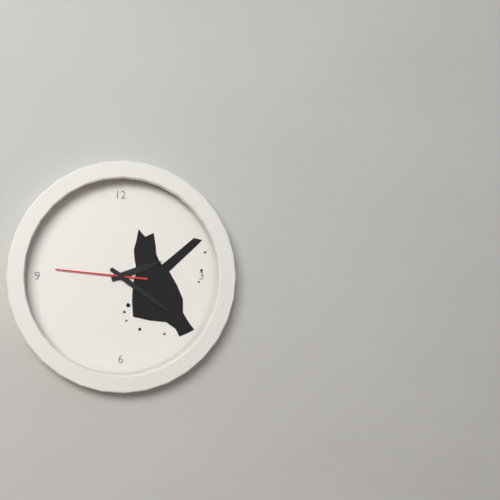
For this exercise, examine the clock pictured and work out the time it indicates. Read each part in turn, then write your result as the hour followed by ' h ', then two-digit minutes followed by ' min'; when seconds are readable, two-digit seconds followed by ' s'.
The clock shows 2 h 21 min 46 s
